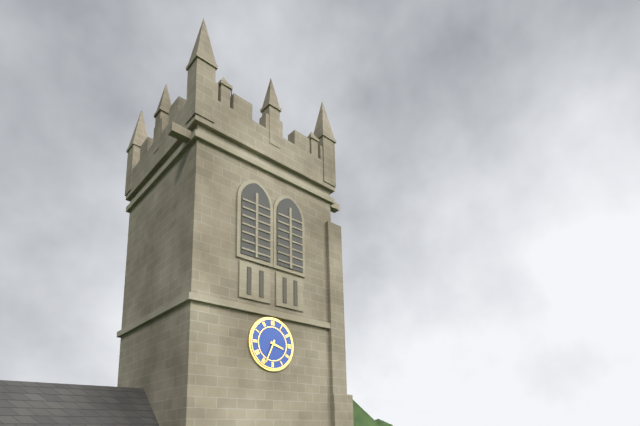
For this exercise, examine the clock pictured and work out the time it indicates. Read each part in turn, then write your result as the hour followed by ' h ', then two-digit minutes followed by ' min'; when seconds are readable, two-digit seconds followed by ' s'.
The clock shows 3 h 34 min
